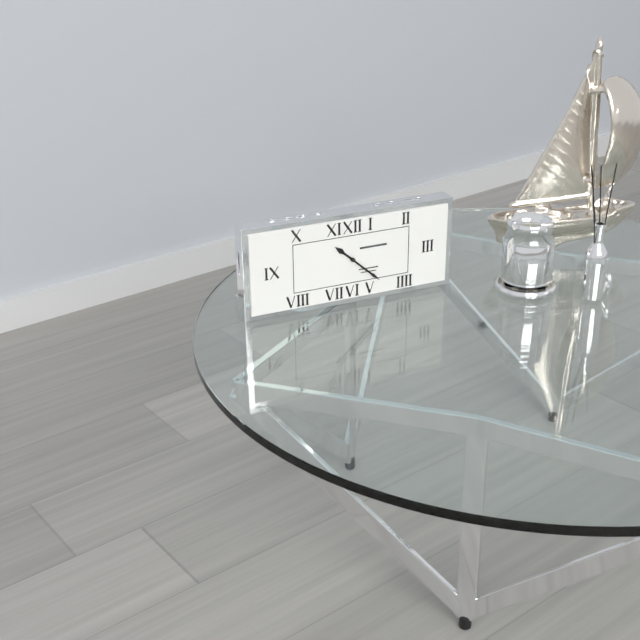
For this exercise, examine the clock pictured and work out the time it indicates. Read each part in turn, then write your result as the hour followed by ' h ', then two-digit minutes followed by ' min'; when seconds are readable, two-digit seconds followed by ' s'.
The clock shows 10 h 22 min
